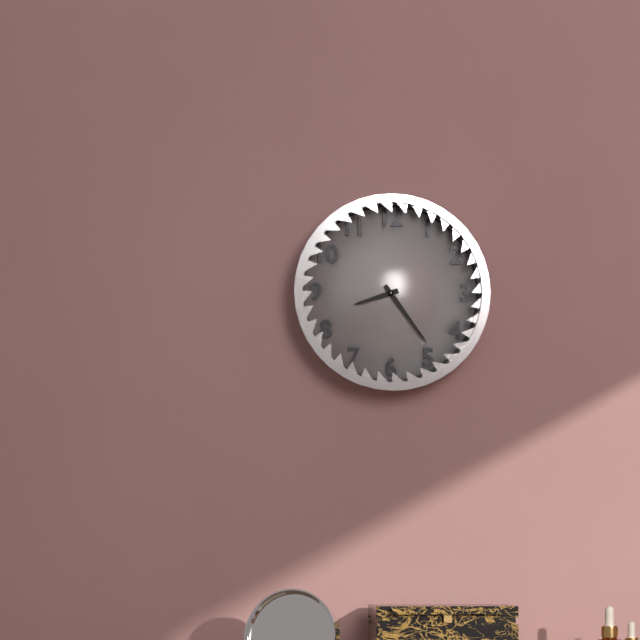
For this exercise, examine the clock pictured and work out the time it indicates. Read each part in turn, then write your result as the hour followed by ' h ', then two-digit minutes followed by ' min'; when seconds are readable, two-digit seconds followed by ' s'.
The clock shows 8 h 24 min
